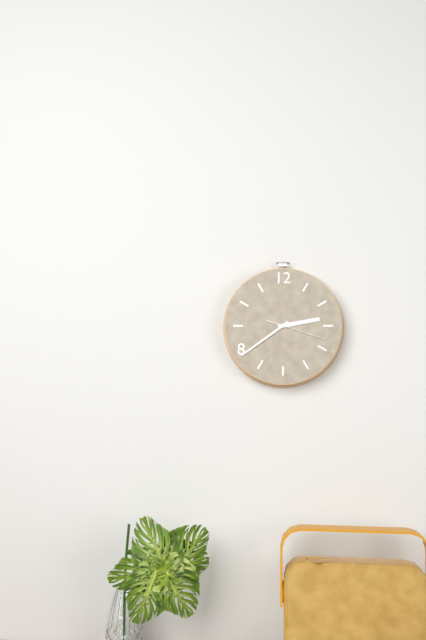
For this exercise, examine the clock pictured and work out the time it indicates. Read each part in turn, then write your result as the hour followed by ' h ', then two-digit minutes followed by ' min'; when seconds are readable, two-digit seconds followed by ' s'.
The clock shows 2 h 39 min 18 s
